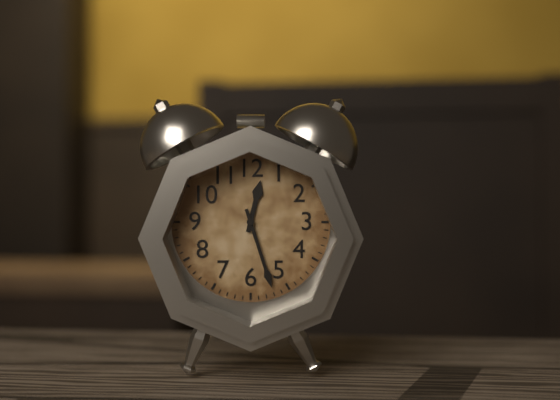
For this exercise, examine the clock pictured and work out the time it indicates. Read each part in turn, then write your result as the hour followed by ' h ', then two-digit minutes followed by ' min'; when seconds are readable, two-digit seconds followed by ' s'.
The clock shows 12 h 27 min
